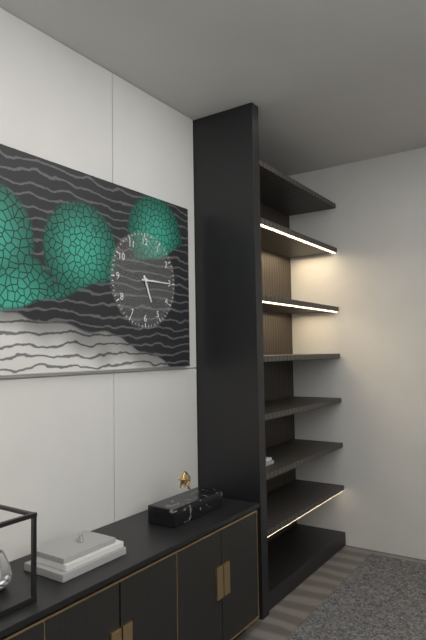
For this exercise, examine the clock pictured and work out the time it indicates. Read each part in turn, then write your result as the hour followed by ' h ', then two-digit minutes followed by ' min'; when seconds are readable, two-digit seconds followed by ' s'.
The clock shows 5 h 15 min
